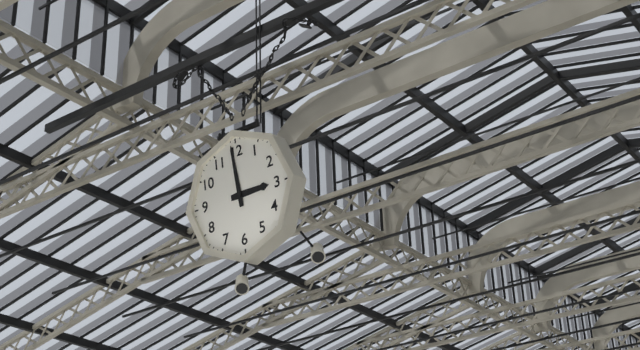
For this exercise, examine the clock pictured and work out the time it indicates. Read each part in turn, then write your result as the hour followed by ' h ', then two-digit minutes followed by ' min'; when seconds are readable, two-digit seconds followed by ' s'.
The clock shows 2 h 59 min
